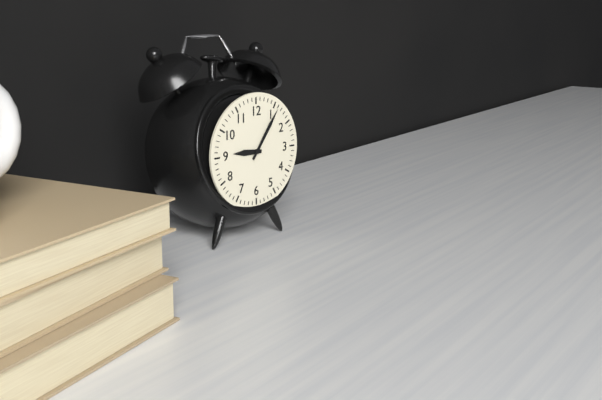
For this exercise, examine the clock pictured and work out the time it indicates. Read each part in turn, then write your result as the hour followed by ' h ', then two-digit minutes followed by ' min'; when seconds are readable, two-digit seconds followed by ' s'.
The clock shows 9 h 06 min
